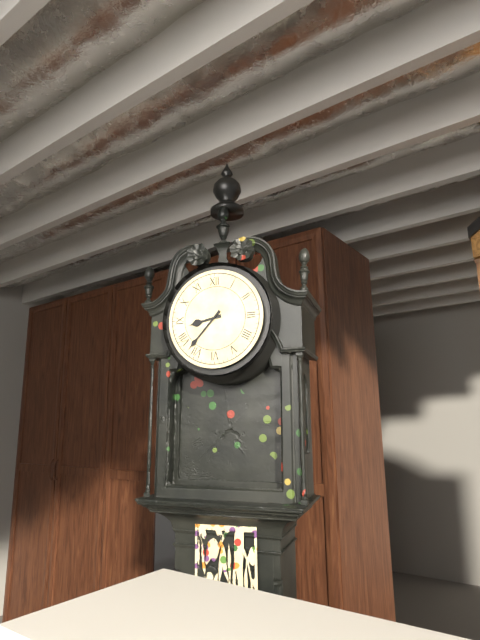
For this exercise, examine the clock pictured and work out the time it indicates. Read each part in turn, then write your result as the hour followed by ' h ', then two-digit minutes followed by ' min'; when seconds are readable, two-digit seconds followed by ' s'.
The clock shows 8 h 37 min
